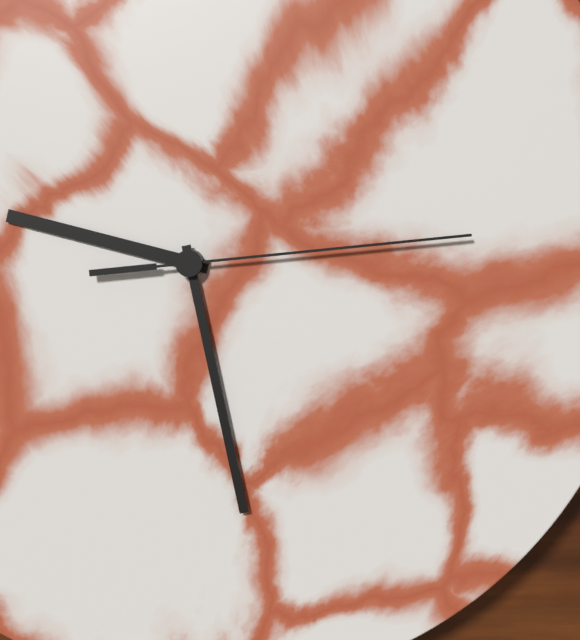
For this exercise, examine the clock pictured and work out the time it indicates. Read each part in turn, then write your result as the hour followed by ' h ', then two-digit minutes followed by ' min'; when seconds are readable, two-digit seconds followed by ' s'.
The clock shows 9 h 28 min 14 s
